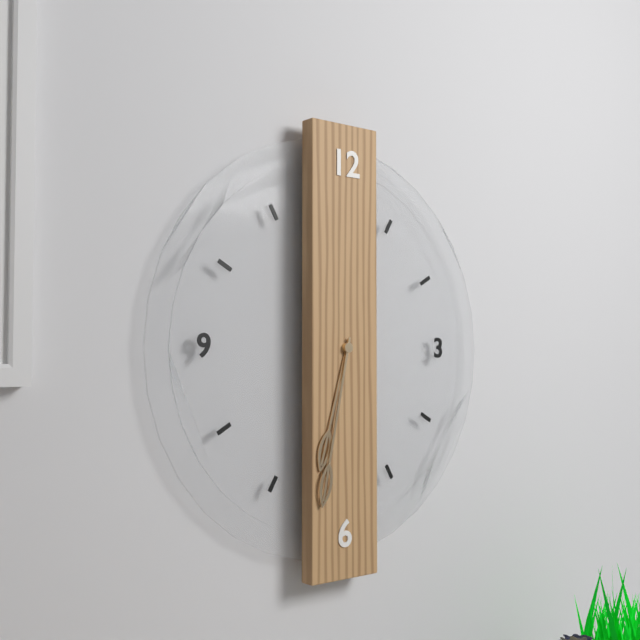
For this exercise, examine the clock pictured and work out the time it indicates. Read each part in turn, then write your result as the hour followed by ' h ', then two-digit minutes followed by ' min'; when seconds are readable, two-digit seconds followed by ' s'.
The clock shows 6 h 32 min
